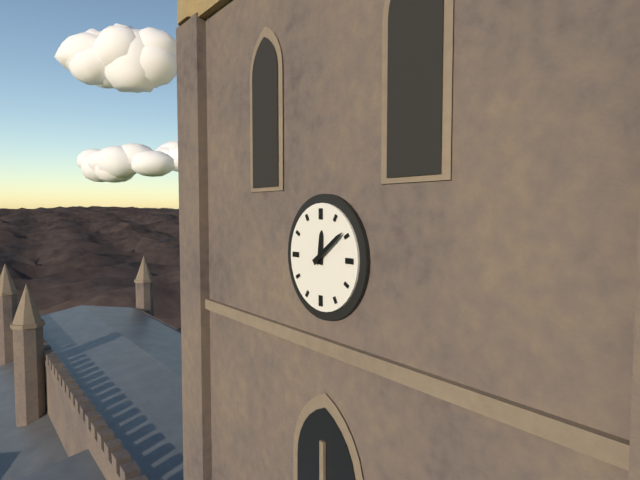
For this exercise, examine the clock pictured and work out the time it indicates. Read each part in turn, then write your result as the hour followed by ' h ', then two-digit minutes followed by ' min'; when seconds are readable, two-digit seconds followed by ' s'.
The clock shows 12 h 09 min
